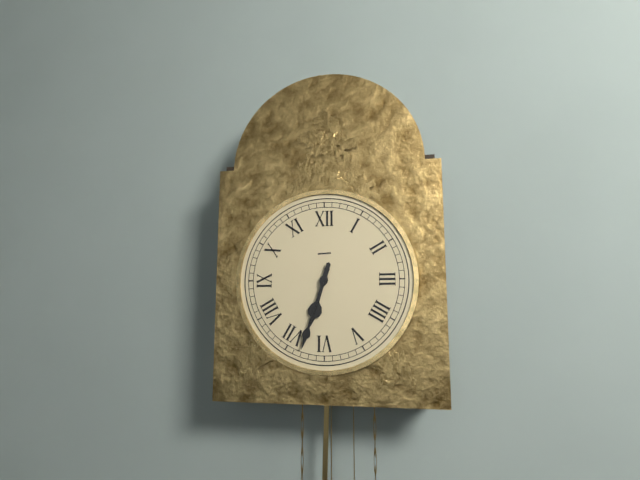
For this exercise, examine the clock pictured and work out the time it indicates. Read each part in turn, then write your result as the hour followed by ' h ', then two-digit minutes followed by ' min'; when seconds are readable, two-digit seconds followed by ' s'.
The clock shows 6 h 33 min
